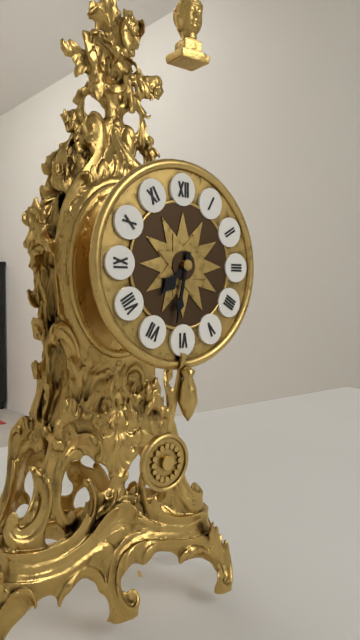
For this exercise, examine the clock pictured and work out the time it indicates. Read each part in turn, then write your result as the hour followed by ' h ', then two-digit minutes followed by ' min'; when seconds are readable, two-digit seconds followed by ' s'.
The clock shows 7 h 32 min
